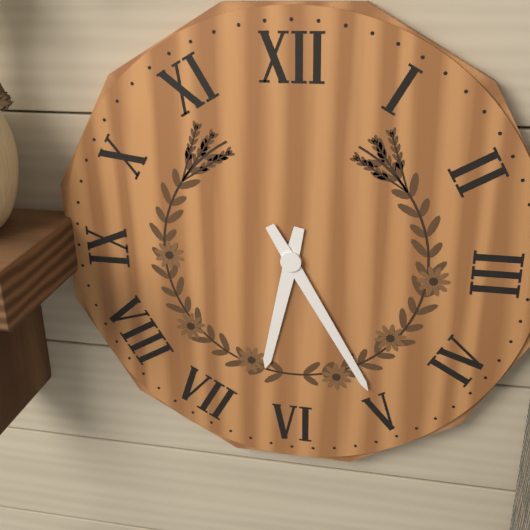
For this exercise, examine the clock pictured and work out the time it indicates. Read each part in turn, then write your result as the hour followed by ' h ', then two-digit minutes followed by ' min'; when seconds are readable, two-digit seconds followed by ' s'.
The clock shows 6 h 25 min
